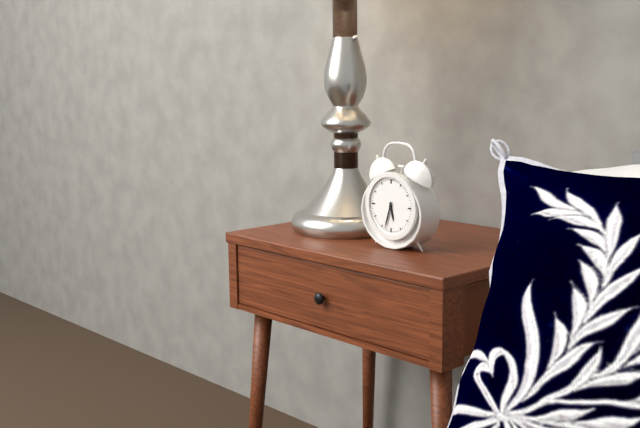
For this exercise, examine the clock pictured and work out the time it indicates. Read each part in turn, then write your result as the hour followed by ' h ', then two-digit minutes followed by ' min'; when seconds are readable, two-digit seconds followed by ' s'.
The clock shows 5 h 33 min
